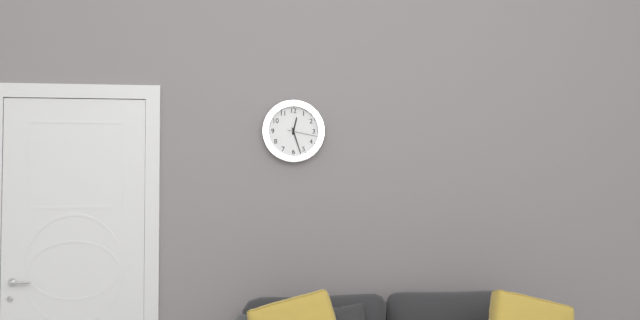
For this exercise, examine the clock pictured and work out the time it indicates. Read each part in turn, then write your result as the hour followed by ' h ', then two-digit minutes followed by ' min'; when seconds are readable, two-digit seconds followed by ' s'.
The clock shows 12 h 27 min
